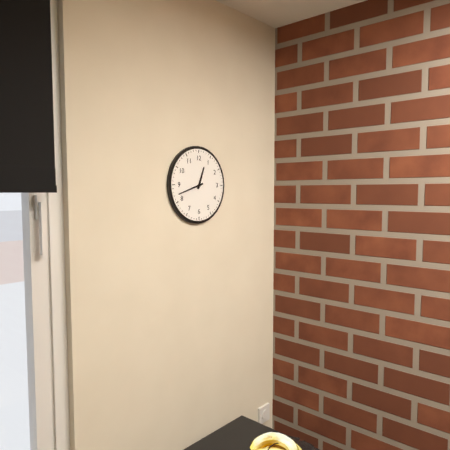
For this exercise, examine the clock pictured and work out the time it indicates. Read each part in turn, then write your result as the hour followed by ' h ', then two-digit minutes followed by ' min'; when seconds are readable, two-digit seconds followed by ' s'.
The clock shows 12 h 42 min
